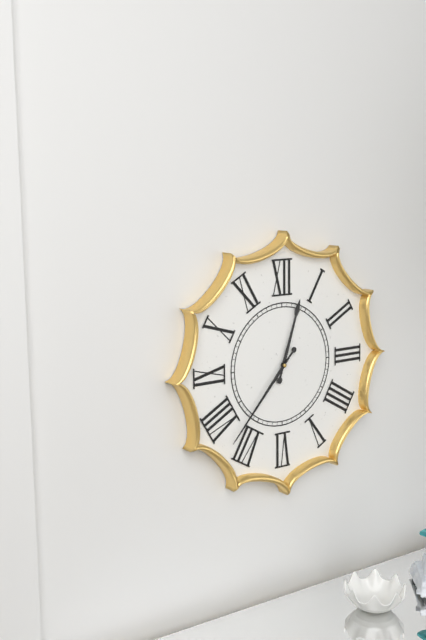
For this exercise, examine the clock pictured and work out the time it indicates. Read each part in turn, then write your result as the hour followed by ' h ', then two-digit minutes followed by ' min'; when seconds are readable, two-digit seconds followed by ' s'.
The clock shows 12 h 37 min
